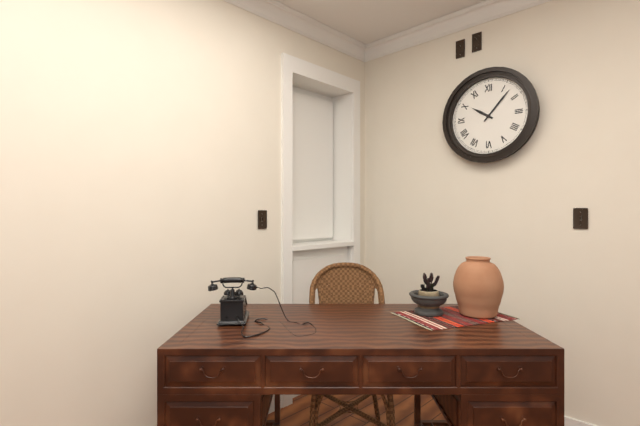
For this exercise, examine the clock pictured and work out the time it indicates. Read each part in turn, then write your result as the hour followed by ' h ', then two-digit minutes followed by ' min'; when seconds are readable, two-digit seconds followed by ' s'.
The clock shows 10 h 07 min
